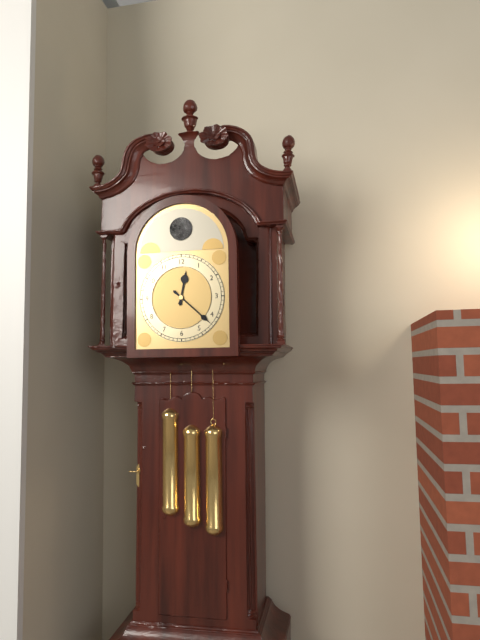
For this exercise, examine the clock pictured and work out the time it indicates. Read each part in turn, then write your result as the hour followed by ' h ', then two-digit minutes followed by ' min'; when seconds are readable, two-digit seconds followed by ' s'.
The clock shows 12 h 22 min
